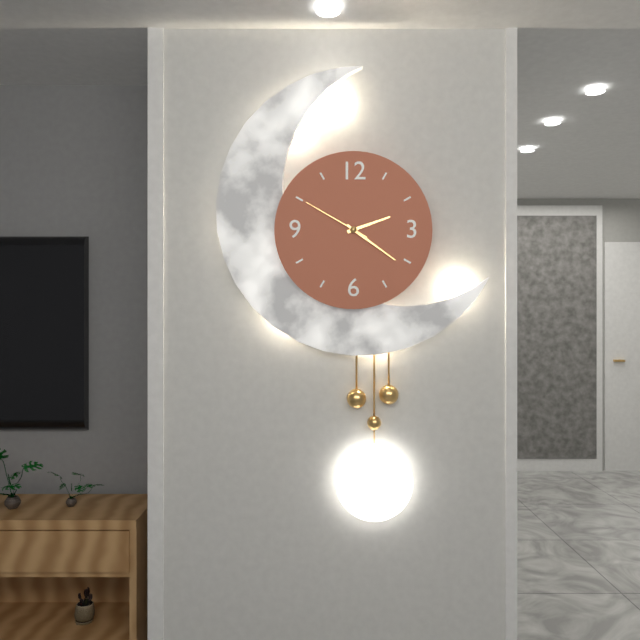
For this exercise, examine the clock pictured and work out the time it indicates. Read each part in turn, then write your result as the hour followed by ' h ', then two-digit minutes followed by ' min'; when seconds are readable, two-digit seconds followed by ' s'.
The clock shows 2 h 21 min 50 s
